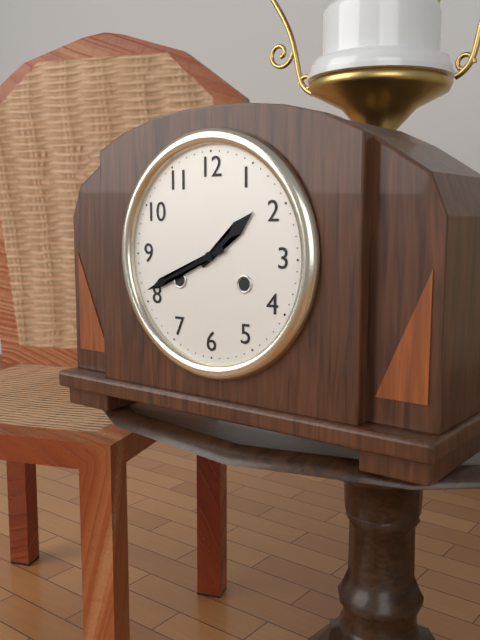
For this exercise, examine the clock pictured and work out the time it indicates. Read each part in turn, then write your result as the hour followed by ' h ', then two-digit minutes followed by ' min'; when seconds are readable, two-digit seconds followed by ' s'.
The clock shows 1 h 41 min
